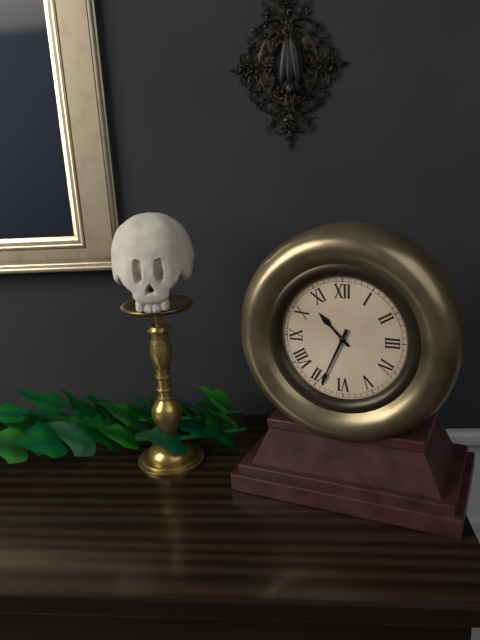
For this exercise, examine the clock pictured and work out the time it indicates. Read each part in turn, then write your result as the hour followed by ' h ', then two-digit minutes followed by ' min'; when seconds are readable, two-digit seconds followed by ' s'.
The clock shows 10 h 34 min
